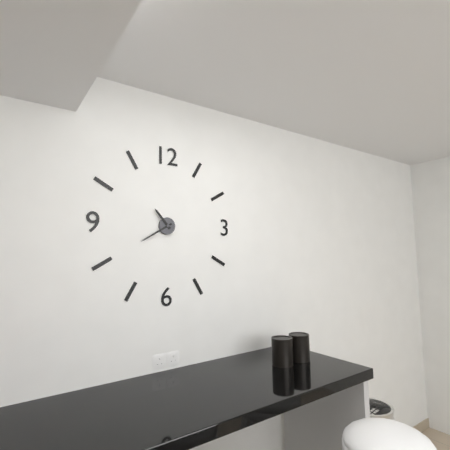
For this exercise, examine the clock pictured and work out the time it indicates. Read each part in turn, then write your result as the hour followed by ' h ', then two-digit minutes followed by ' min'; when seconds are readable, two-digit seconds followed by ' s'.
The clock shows 10 h 40 min
